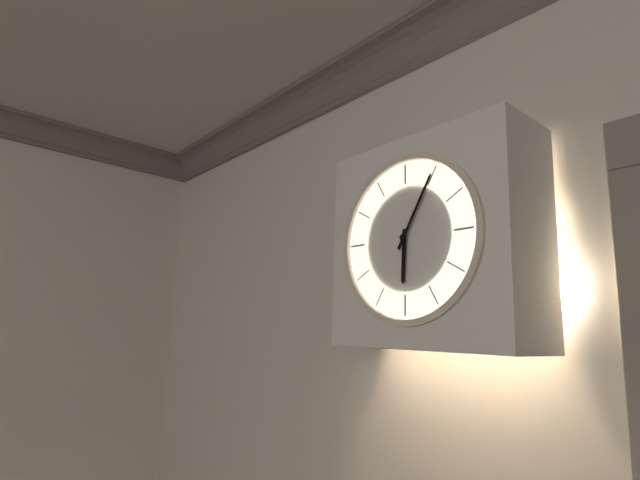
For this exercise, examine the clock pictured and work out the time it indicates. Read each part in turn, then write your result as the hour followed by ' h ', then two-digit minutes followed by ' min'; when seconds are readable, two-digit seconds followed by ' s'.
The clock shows 6 h 05 min
